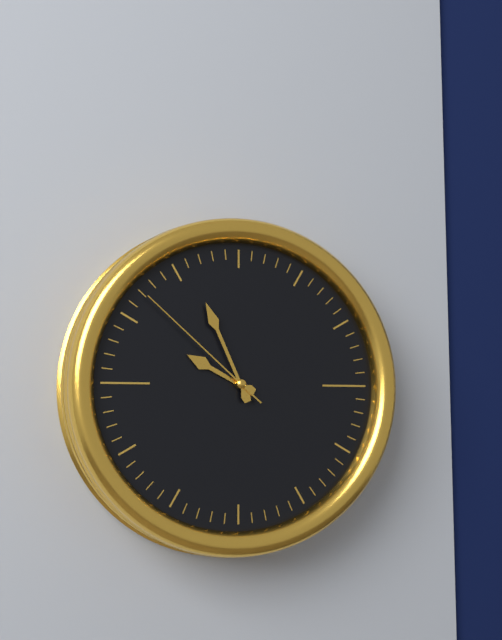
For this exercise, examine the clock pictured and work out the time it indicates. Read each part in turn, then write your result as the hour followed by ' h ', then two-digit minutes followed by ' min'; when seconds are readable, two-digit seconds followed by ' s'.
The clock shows 9 h 56 min 52 s
